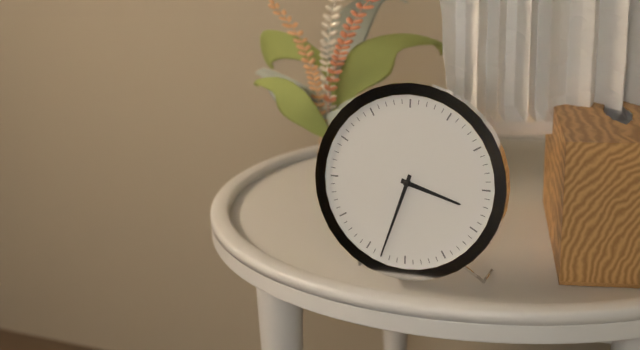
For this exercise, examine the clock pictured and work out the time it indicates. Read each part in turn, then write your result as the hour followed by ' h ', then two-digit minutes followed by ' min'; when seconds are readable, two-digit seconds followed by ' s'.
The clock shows 3 h 33 min
